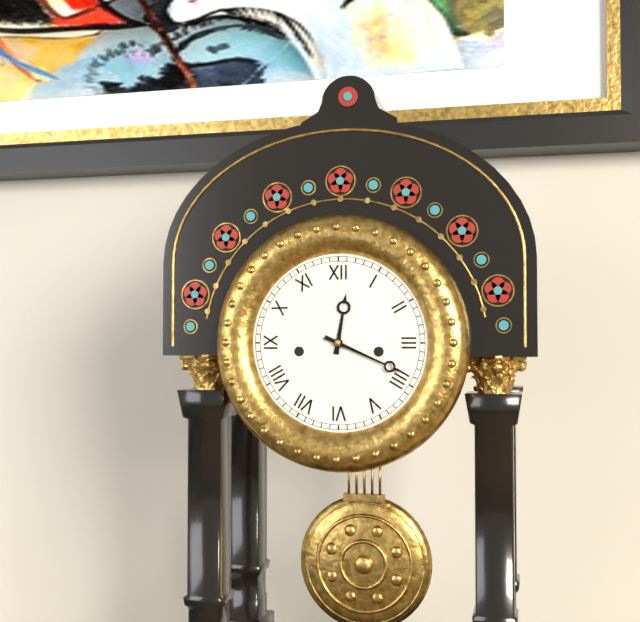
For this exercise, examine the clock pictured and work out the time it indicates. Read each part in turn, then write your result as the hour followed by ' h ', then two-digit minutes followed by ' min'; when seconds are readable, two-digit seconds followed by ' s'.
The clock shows 12 h 19 min
